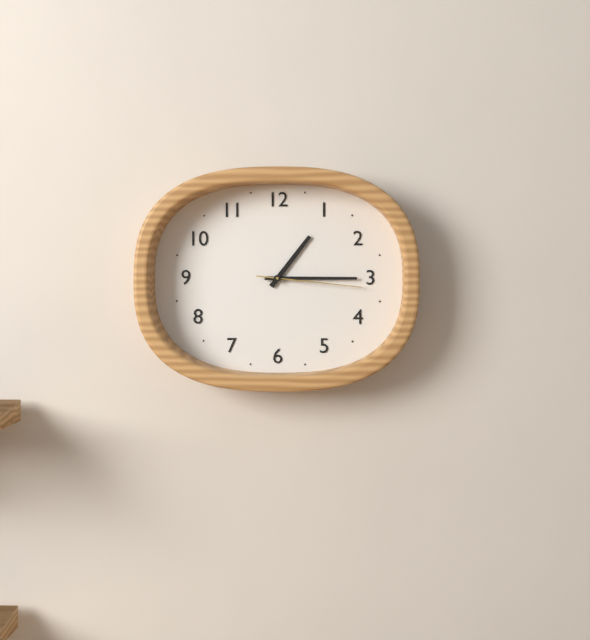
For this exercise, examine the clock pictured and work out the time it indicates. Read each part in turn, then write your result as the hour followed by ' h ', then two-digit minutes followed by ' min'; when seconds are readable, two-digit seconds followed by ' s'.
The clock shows 1 h 15 min 16 s
